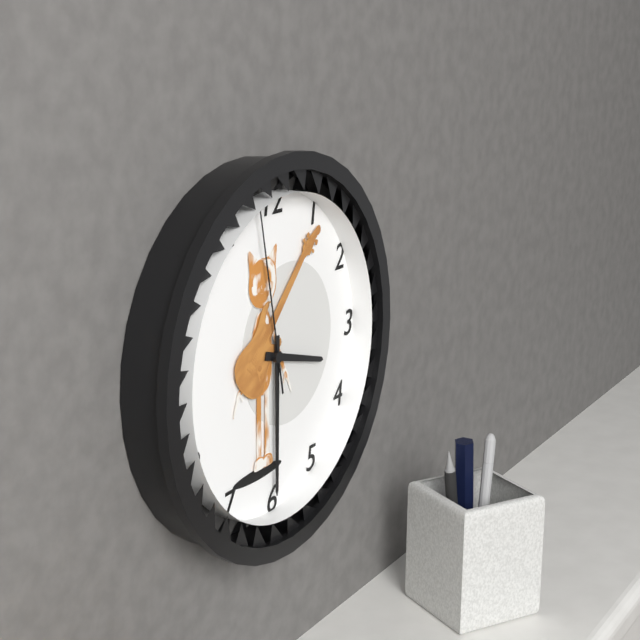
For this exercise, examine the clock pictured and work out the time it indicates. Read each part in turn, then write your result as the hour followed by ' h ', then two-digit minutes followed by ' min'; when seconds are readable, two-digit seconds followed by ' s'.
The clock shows 3 h 30 min 58 s
